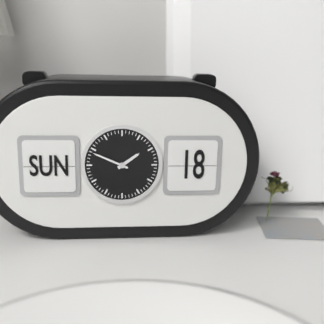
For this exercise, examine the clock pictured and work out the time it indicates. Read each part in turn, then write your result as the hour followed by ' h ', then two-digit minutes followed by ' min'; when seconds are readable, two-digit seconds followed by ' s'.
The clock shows 1 h 49 min
